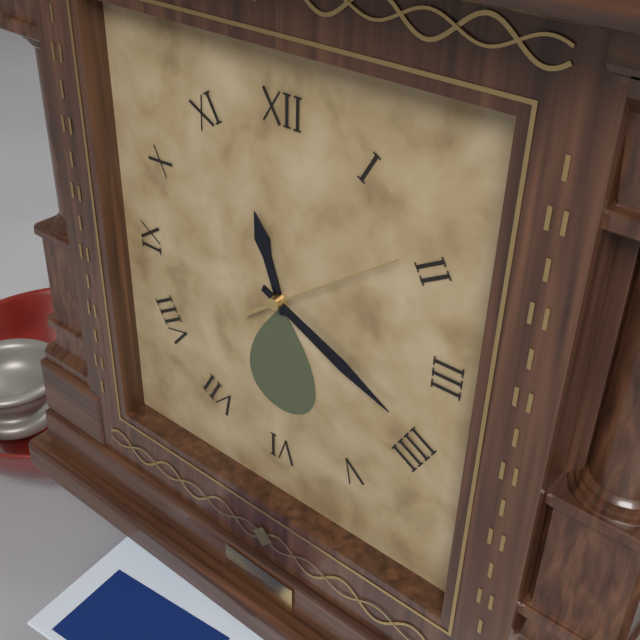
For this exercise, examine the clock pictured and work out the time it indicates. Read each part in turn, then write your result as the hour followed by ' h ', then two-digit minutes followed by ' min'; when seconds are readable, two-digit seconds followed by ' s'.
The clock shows 11 h 19 min 09 s
